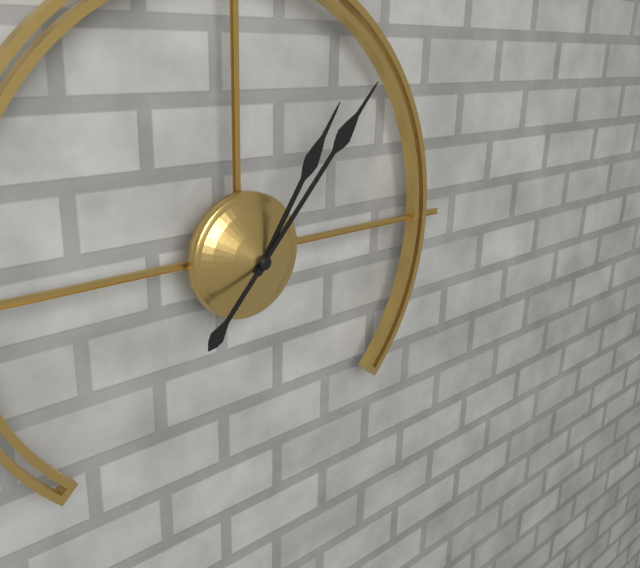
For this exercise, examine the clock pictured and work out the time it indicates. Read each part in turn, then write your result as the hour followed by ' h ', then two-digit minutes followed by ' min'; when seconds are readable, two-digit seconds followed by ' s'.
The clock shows 1 h 07 min
